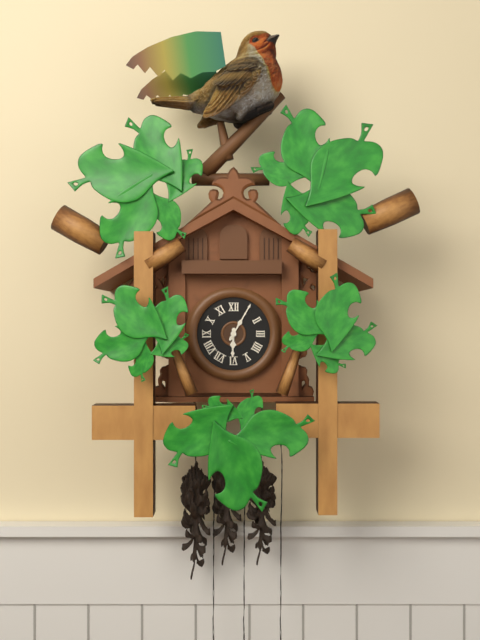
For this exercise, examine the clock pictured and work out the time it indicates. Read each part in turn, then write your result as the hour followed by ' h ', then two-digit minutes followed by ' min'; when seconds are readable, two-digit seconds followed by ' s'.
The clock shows 6 h 05 min
